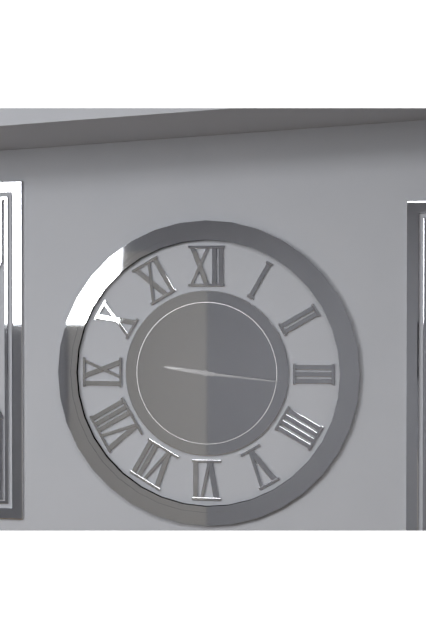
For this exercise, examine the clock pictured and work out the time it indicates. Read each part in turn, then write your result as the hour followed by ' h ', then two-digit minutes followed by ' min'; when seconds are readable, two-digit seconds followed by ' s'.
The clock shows 9 h 16 min
